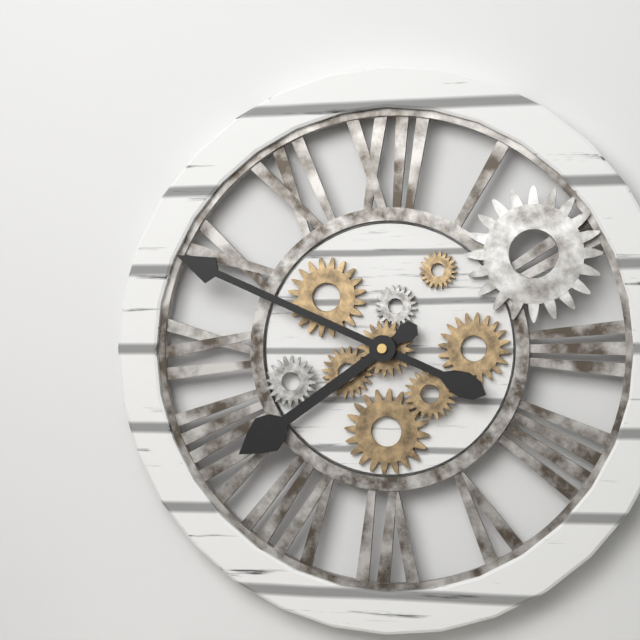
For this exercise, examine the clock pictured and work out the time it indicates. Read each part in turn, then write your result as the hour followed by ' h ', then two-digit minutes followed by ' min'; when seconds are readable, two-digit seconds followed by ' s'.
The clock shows 7 h 49 min
